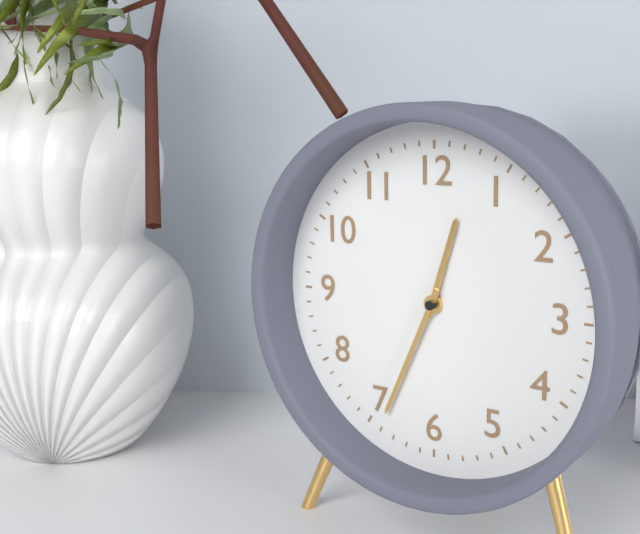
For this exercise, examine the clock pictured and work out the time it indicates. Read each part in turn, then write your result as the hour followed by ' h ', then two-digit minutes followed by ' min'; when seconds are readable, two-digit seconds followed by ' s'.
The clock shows 12 h 34 min
